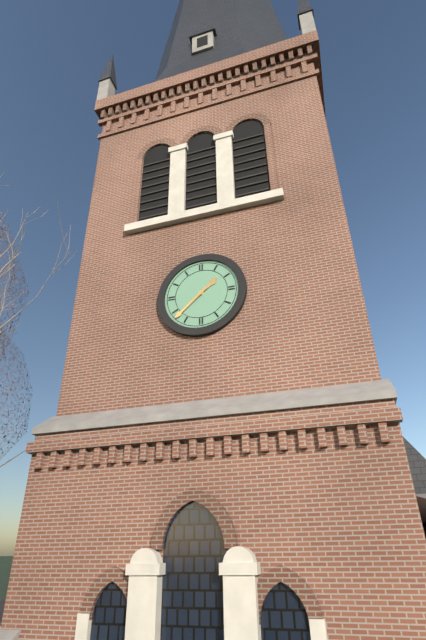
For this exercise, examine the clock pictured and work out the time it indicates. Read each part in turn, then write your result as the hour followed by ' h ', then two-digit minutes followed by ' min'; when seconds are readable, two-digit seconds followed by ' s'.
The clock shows 1 h 38 min
